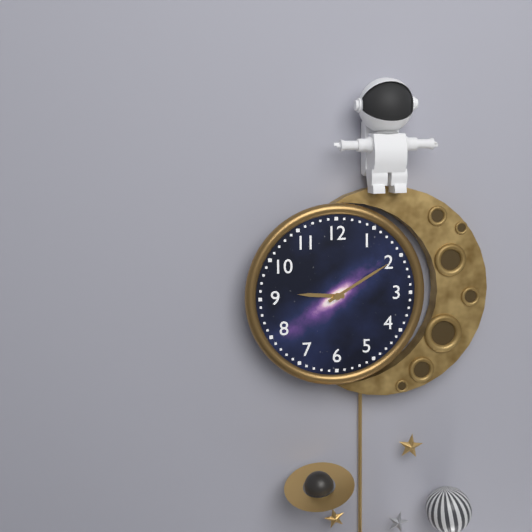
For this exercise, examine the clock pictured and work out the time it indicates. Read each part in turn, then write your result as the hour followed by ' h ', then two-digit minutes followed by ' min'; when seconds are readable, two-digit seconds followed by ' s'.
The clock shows 9 h 10 min
